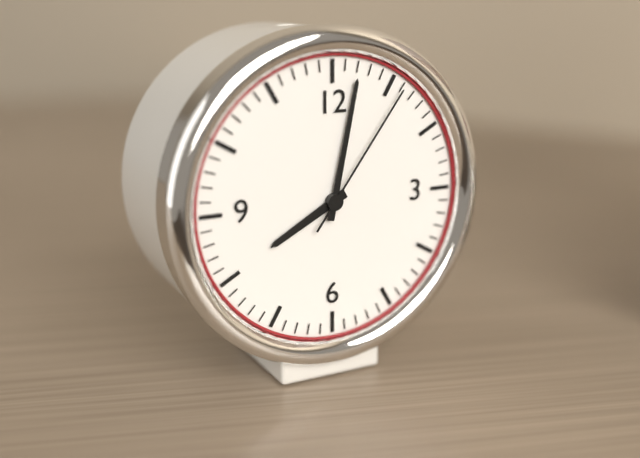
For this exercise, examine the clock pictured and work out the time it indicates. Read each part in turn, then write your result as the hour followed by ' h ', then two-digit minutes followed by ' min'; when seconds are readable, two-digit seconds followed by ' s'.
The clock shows 8 h 02 min 06 s
